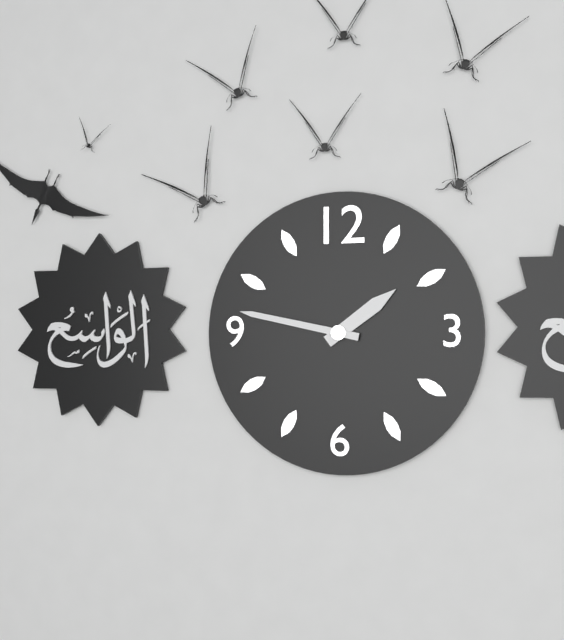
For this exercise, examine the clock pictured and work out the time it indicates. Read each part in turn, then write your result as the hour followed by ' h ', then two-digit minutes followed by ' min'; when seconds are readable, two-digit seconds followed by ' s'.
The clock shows 1 h 47 min
